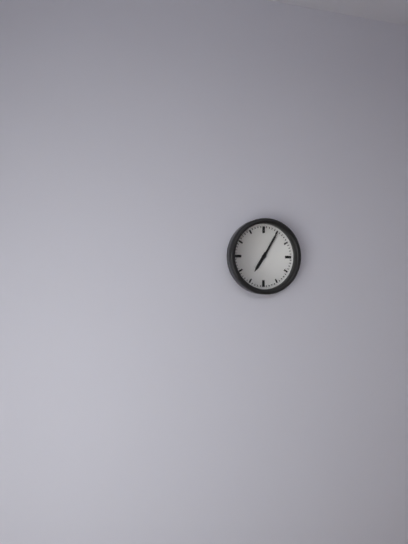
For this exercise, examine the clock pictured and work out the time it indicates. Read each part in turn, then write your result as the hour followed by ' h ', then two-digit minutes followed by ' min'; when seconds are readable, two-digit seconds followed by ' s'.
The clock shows 7 h 05 min
